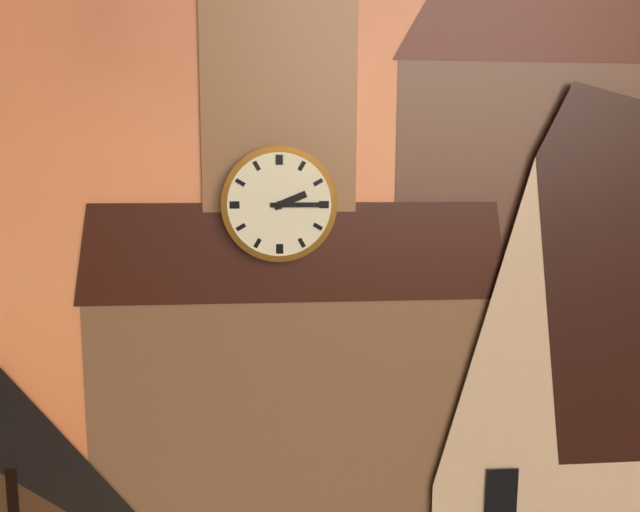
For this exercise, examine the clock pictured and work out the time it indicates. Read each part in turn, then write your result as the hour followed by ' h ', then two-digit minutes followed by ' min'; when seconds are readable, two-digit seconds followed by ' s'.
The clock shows 2 h 15 min
